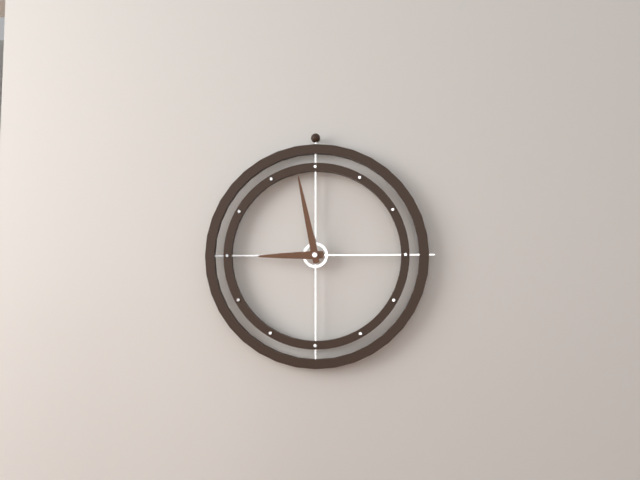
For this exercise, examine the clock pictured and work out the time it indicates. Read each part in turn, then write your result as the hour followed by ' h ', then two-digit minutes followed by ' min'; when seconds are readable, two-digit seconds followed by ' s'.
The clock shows 8 h 58 min
